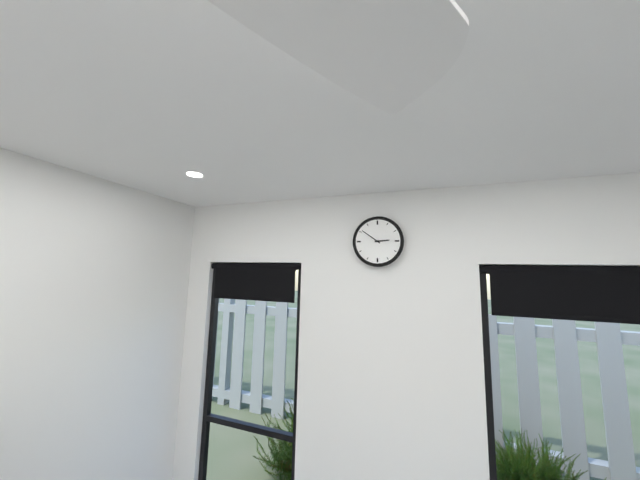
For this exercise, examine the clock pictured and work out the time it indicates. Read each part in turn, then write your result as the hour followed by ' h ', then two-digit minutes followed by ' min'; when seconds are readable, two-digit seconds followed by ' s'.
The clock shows 2 h 51 min
